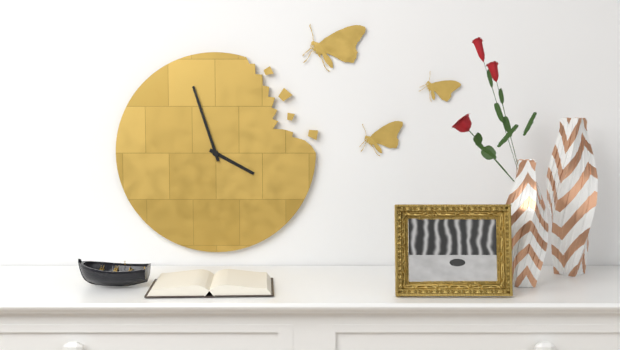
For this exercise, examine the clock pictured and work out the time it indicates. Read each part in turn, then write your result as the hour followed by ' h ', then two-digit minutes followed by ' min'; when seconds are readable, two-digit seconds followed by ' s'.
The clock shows 3 h 57 min
